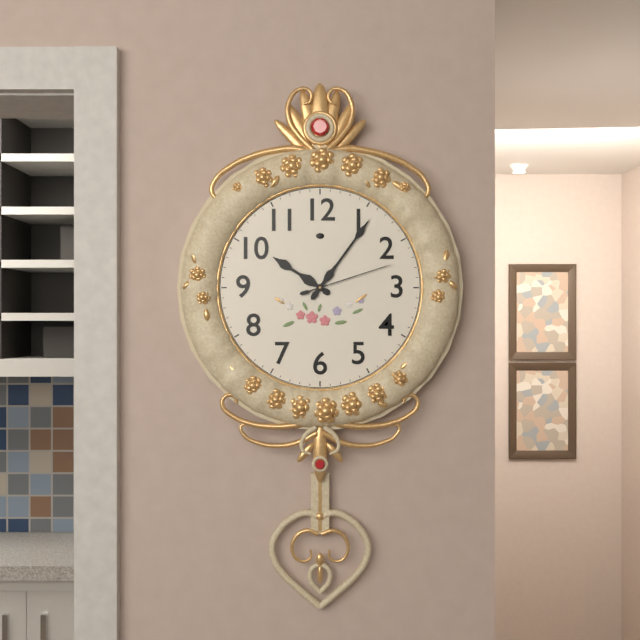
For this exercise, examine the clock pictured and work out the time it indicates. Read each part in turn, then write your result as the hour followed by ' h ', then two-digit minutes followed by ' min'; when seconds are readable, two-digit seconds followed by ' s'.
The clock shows 10 h 06 min 12 s
